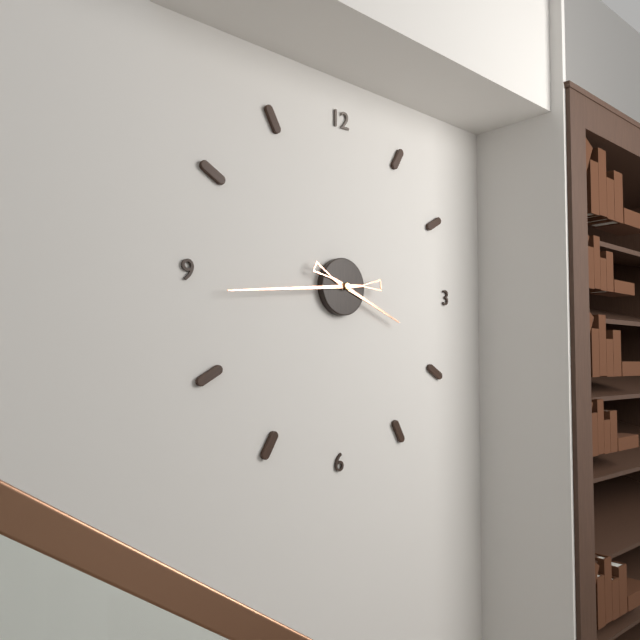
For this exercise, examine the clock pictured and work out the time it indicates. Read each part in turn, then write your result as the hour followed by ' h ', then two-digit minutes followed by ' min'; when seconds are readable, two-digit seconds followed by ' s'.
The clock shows 3 h 44 min
